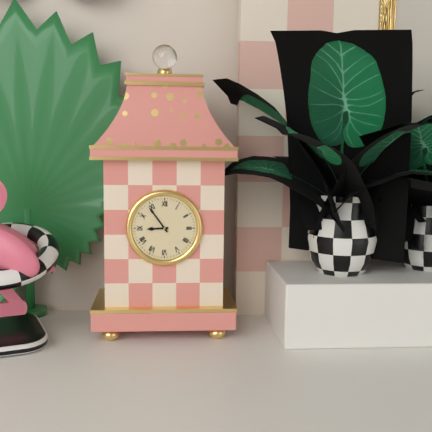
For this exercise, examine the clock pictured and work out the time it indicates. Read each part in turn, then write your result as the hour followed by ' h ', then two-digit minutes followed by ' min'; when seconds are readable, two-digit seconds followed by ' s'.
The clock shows 8 h 54 min
